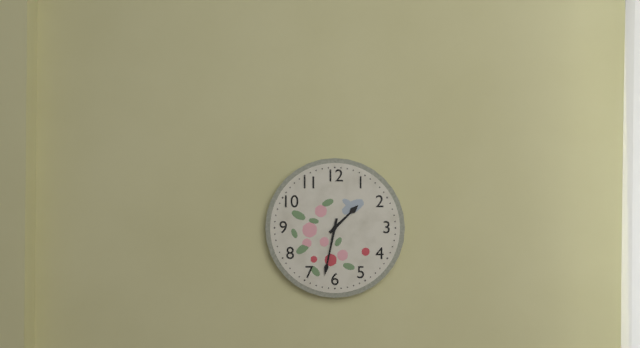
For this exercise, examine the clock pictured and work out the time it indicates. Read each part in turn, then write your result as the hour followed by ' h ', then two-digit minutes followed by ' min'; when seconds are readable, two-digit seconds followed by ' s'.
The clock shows 1 h 32 min
